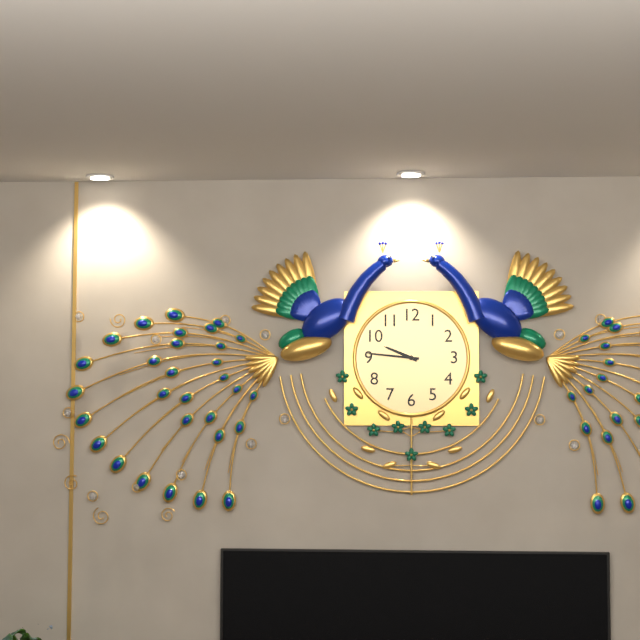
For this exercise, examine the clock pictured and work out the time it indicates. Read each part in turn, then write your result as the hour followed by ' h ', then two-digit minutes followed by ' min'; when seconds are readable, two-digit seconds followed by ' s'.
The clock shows 9 h 46 min
